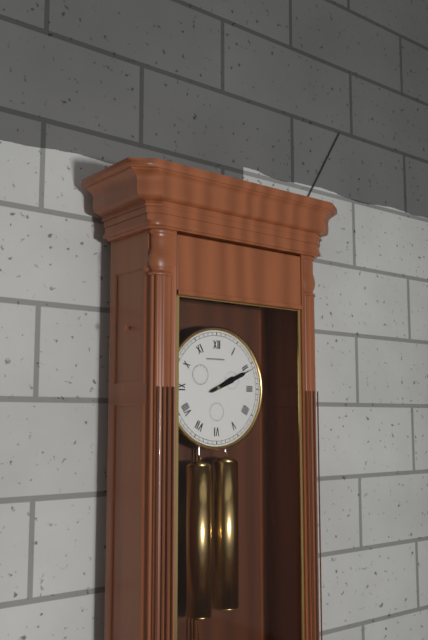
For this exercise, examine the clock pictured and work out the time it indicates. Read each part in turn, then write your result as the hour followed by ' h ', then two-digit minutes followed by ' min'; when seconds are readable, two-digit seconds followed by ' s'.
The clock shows 2 h 11 min
